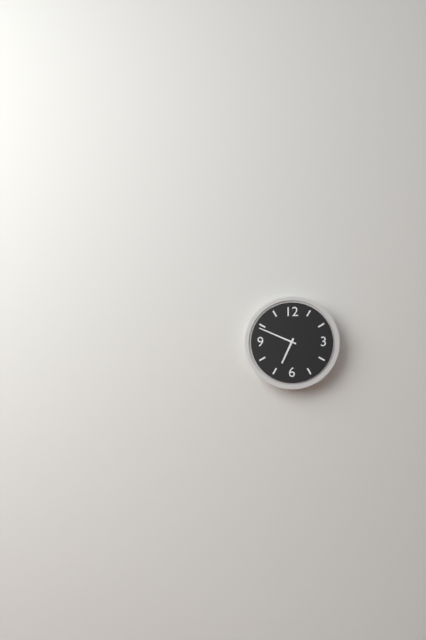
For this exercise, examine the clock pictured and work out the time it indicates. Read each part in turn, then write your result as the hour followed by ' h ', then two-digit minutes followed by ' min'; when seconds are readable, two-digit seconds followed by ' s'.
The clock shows 6 h 49 min
